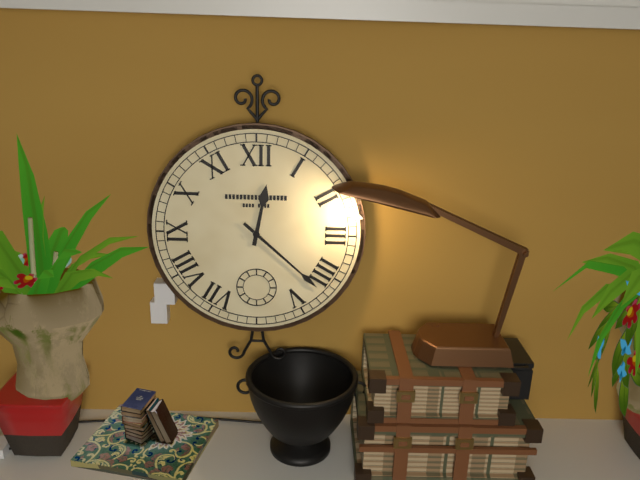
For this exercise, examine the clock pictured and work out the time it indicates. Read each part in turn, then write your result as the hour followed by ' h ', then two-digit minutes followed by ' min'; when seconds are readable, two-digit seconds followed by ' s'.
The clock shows 12 h 22 min
